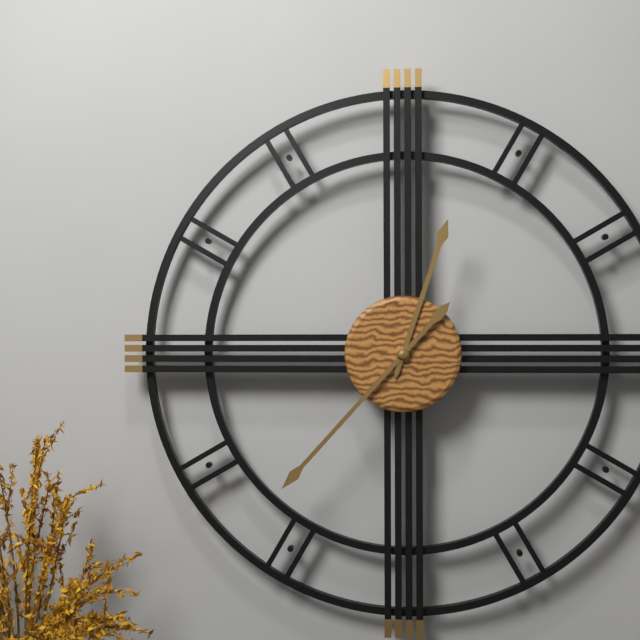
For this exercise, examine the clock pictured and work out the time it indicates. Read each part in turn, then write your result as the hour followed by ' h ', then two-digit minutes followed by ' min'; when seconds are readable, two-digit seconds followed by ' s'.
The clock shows 12 h 37 min
